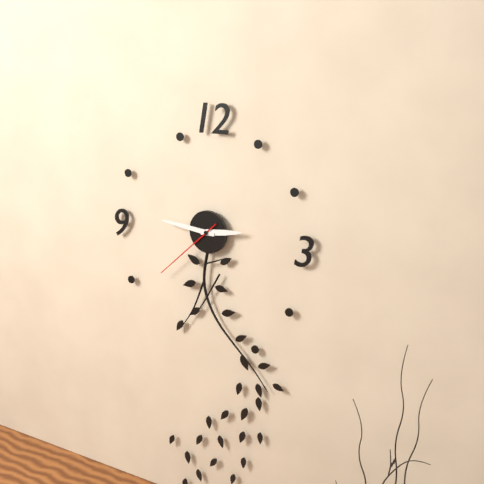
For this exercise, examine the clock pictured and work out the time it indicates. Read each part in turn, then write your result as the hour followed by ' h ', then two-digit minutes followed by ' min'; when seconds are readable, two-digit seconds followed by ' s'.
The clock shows 2 h 46 min 38 s
